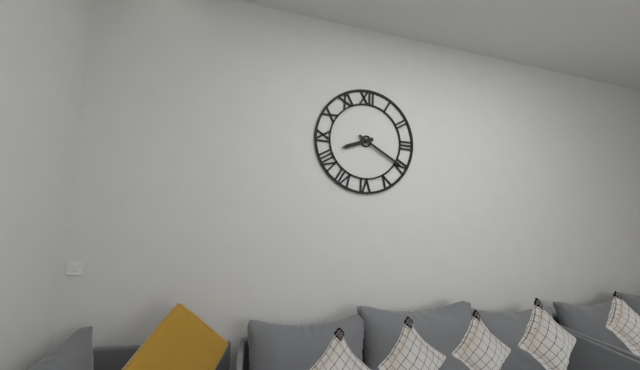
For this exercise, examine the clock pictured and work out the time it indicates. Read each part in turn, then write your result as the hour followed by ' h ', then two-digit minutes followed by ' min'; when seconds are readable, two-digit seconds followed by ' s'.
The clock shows 8 h 20 min
